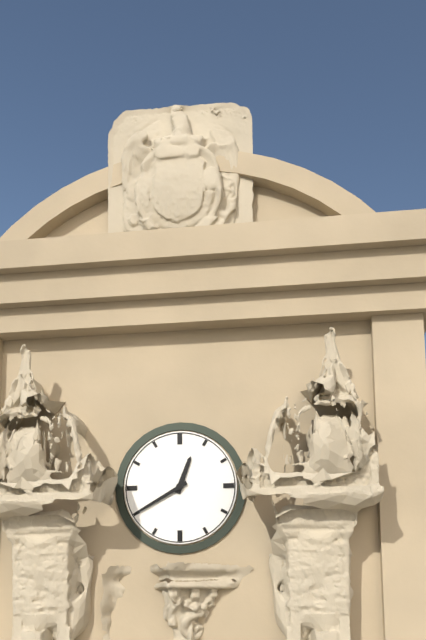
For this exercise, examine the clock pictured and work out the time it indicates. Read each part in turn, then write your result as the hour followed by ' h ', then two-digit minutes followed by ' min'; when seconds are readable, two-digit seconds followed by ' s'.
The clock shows 12 h 40 min
